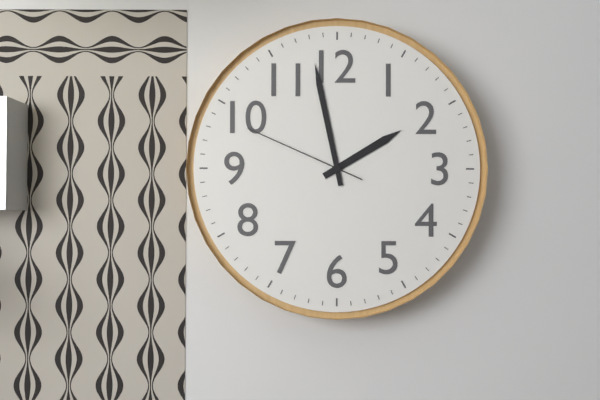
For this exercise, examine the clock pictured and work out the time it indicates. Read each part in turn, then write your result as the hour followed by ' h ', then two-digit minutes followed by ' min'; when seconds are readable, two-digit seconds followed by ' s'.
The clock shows 1 h 58 min 49 s
